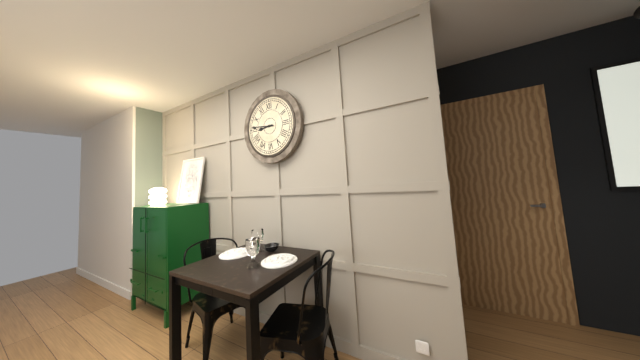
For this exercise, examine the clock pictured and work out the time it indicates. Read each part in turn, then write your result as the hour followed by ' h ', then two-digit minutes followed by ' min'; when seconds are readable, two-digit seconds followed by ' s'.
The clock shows 8 h 46 min
